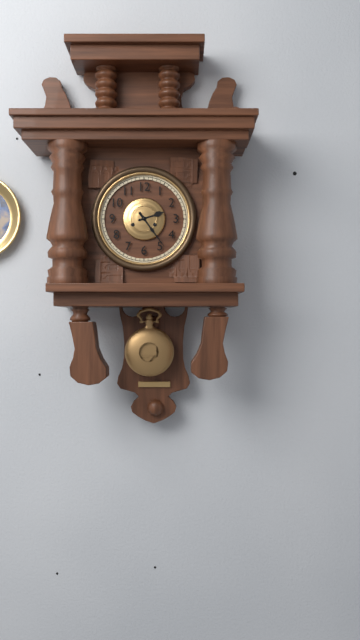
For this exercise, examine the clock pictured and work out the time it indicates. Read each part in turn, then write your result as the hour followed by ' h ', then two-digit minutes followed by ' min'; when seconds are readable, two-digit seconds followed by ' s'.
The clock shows 2 h 24 min
